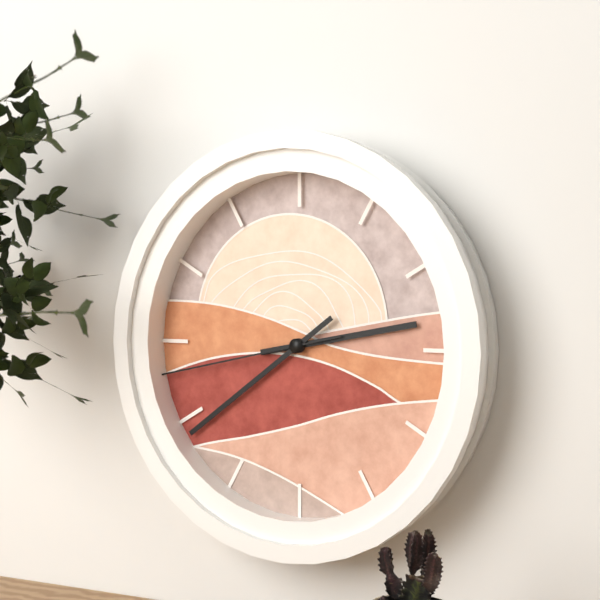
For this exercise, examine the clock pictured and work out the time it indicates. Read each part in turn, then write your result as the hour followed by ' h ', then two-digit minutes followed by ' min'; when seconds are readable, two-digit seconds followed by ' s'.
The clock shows 2 h 39 min 43 s
